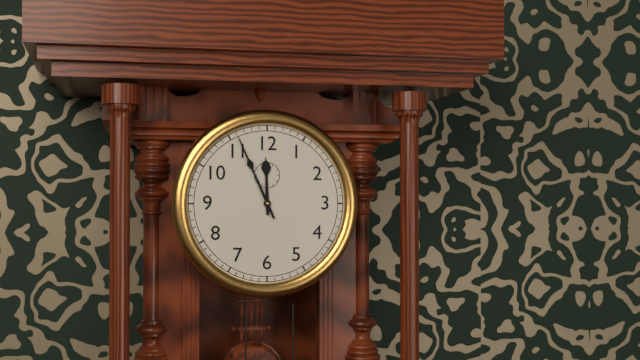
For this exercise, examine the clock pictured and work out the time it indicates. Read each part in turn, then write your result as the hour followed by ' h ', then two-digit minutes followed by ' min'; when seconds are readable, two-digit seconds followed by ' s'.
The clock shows 11 h 56 min
